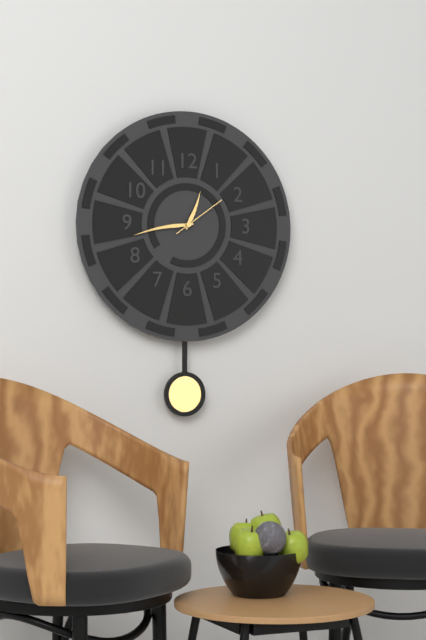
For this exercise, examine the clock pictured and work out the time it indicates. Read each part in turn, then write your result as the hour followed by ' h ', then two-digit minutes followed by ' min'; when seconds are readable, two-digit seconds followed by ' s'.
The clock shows 12 h 43 min 09 s
